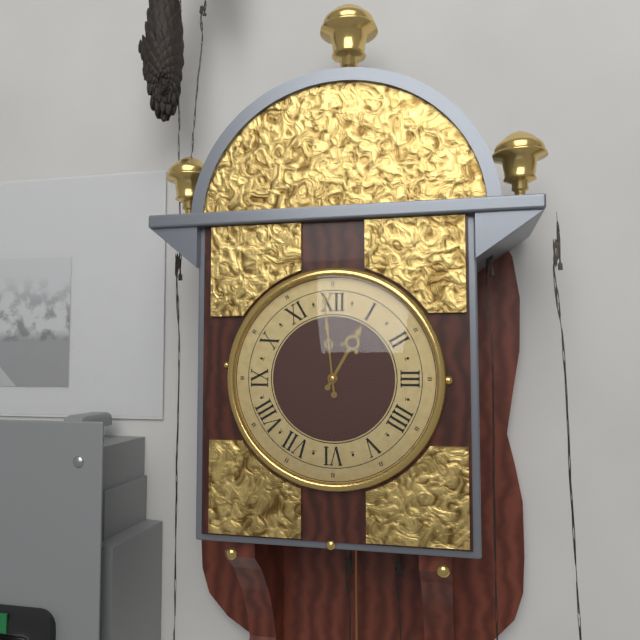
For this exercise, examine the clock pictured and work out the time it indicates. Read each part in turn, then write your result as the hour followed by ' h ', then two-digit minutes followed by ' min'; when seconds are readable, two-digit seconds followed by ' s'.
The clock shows 12 h 59 min
